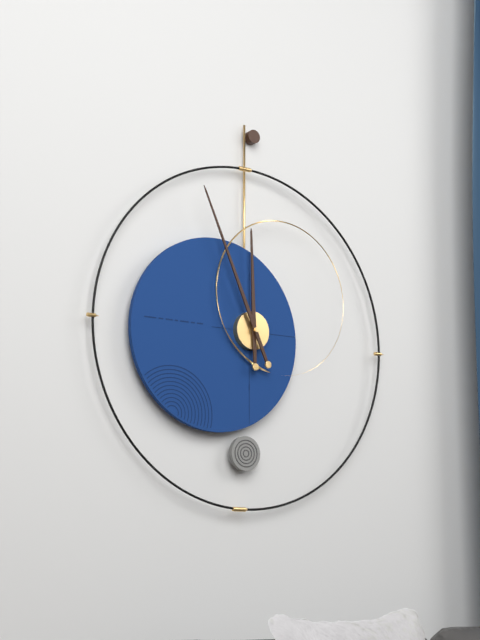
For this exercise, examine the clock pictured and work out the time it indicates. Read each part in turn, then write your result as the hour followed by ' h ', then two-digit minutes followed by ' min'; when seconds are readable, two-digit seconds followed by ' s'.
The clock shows 11 h 56 min
